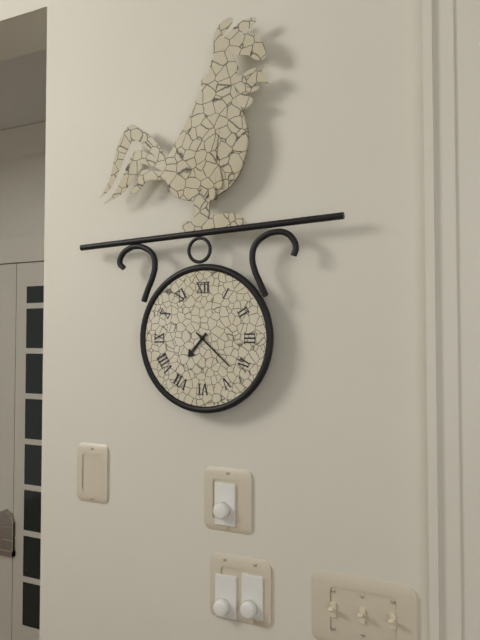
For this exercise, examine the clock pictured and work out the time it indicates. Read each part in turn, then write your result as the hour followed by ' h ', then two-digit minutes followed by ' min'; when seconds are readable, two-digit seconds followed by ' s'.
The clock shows 7 h 22 min
